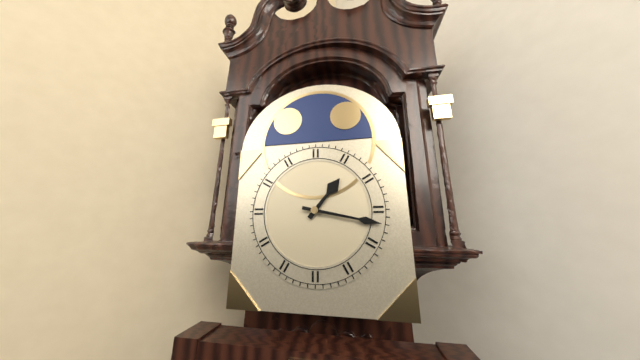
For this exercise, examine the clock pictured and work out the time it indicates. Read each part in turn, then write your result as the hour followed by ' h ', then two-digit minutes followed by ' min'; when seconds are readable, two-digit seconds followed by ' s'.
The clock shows 1 h 17 min
